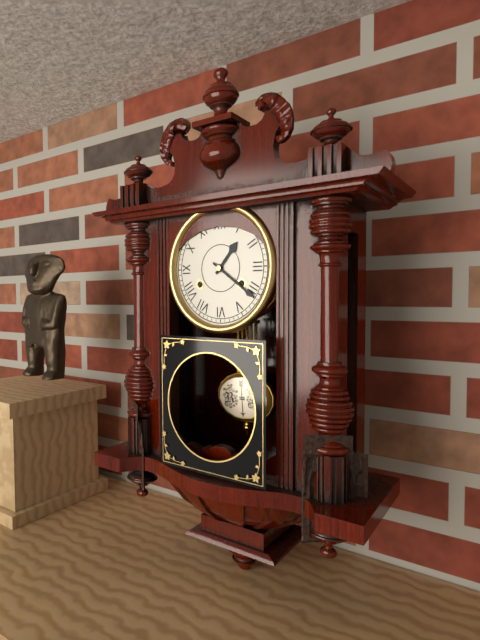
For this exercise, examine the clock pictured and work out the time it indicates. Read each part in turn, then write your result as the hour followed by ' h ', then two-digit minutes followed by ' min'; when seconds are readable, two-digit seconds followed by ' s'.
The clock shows 1 h 21 min
